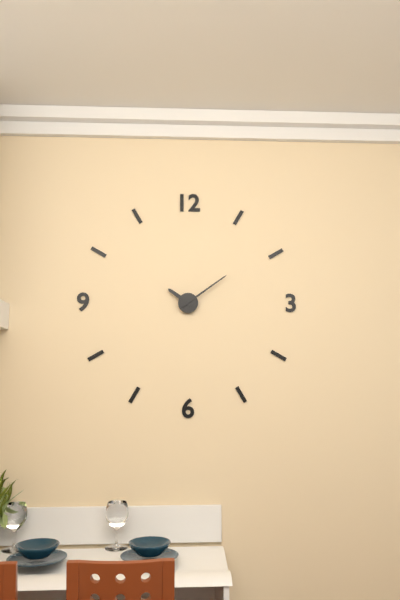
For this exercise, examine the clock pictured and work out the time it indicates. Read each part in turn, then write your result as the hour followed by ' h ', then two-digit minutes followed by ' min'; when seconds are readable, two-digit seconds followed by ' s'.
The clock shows 10 h 09 min
